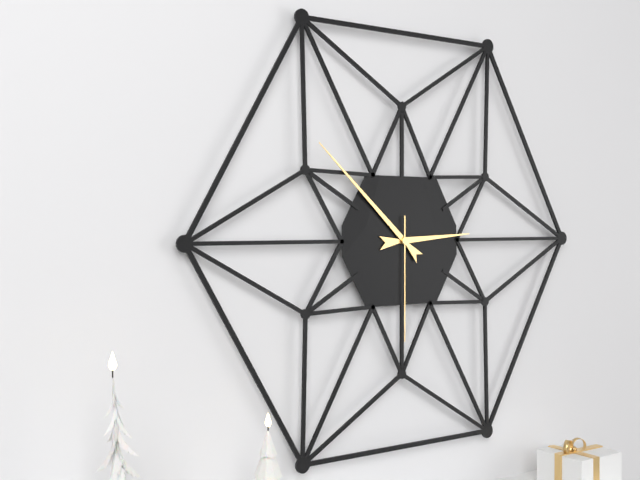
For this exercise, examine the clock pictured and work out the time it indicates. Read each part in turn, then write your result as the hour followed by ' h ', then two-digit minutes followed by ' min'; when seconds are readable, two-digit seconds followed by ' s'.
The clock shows 2 h 52 min 30 s
